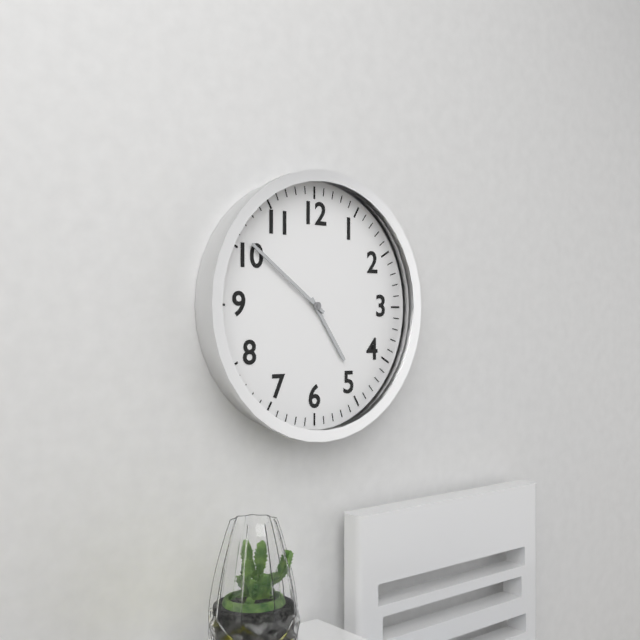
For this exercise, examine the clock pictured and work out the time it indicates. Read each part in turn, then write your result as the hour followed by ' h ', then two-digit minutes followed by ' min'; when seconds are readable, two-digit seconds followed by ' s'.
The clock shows 4 h 51 min
